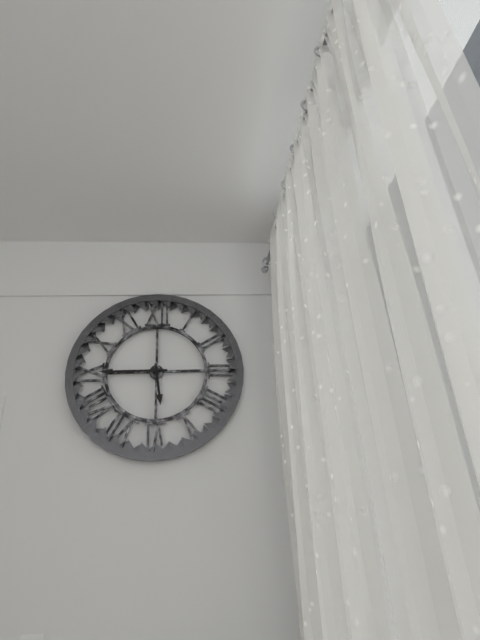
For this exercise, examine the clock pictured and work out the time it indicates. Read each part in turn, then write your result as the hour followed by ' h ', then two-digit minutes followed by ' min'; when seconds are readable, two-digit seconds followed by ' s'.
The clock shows 5 h 45 min
